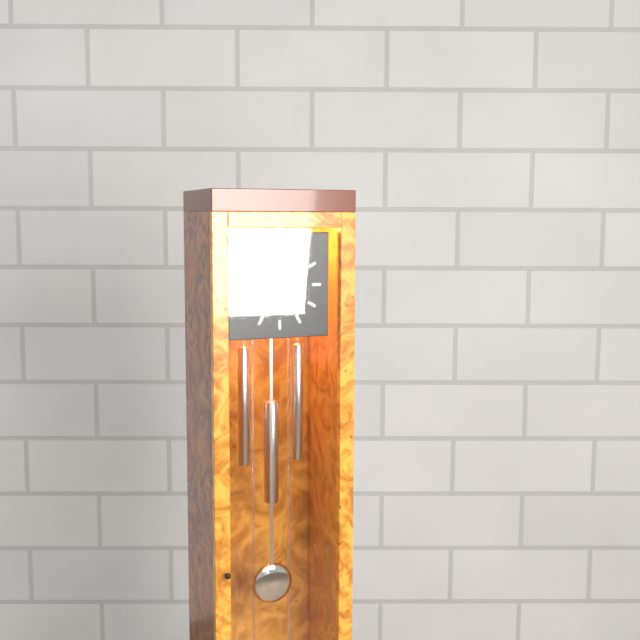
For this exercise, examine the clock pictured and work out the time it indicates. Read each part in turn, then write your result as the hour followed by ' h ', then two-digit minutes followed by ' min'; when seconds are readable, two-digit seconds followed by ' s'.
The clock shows 8 h 15 min
